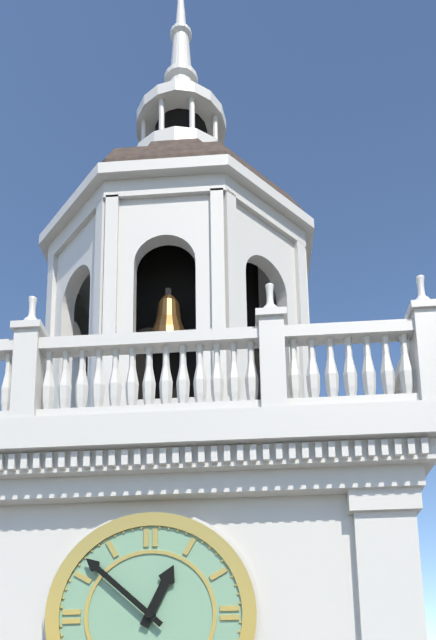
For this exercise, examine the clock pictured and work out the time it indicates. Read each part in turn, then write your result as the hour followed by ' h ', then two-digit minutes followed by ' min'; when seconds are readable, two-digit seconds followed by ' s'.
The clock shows 12 h 52 min
